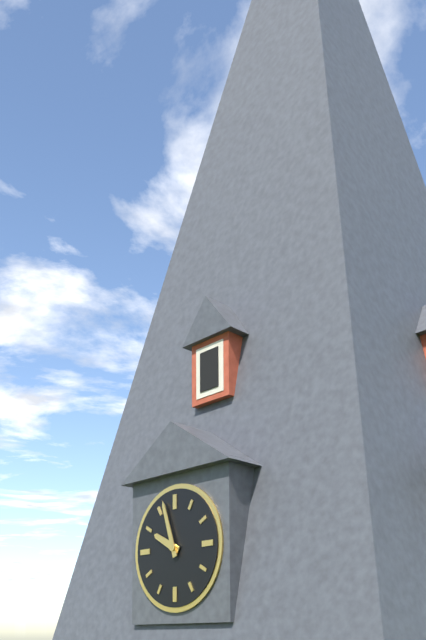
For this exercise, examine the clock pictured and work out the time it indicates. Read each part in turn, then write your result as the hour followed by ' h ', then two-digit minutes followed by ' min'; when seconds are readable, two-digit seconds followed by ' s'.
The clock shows 9 h 57 min
